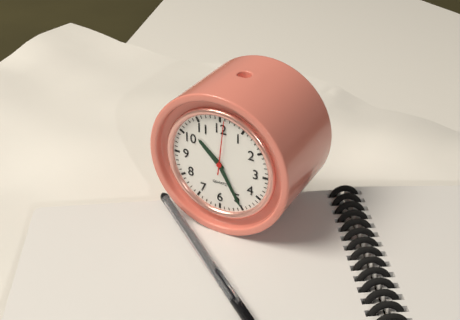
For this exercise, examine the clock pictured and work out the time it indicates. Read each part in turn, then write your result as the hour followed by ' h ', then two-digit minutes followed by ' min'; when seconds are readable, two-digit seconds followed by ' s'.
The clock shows 10 h 25 min 01 s
